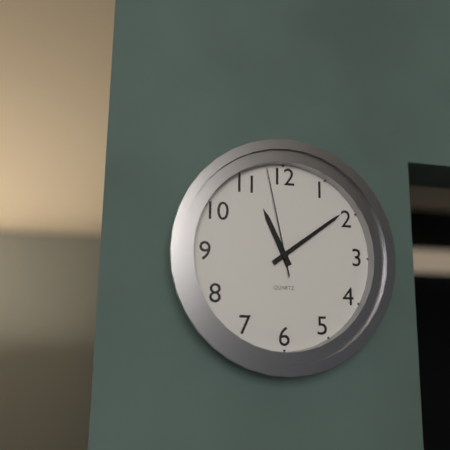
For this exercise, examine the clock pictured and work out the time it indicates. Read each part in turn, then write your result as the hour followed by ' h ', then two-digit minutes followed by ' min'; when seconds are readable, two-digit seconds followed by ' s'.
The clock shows 11 h 09 min 58 s
